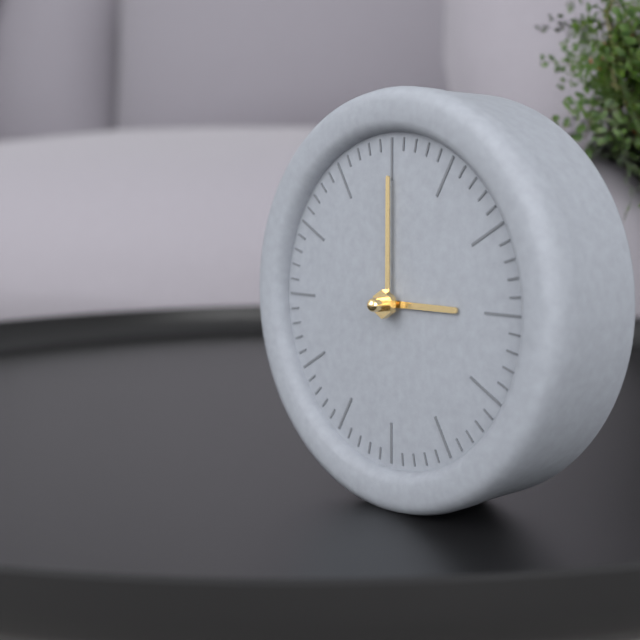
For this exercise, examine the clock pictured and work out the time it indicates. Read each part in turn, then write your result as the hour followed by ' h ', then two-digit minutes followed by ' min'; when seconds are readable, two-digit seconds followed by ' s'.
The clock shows 3 h 00 min
